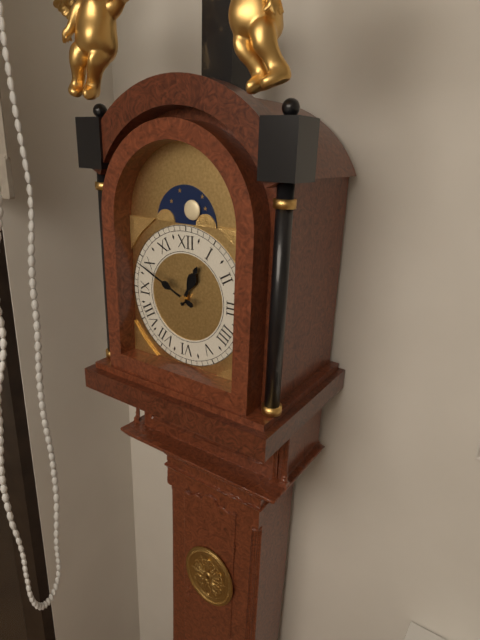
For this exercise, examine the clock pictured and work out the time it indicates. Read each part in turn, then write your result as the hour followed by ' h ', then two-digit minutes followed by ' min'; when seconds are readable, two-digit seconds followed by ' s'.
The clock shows 12 h 49 min
